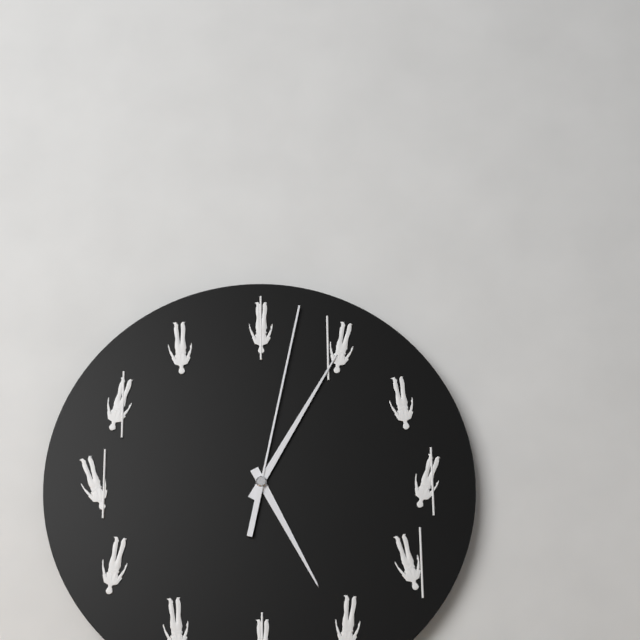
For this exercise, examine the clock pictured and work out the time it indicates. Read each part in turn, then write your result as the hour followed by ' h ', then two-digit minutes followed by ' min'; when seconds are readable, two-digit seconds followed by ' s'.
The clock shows 5 h 05 min 02 s
